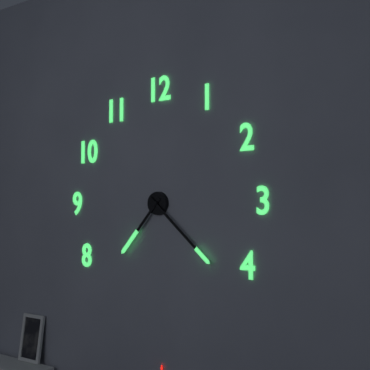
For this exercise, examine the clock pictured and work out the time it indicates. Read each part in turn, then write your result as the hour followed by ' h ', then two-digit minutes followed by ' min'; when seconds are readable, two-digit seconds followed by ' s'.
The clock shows 7 h 22 min
